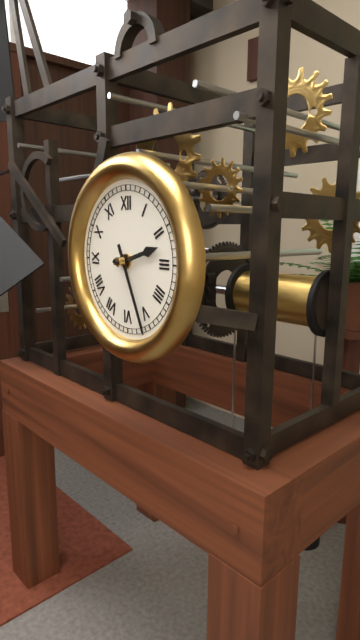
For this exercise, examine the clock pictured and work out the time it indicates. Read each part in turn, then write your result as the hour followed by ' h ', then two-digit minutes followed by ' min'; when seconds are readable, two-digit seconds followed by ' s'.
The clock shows 2 h 26 min
